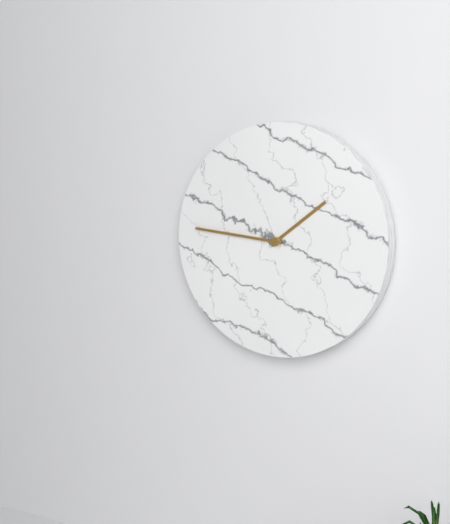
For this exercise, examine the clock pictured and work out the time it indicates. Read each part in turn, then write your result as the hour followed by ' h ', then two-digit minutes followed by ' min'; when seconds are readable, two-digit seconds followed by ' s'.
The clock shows 1 h 46 min
